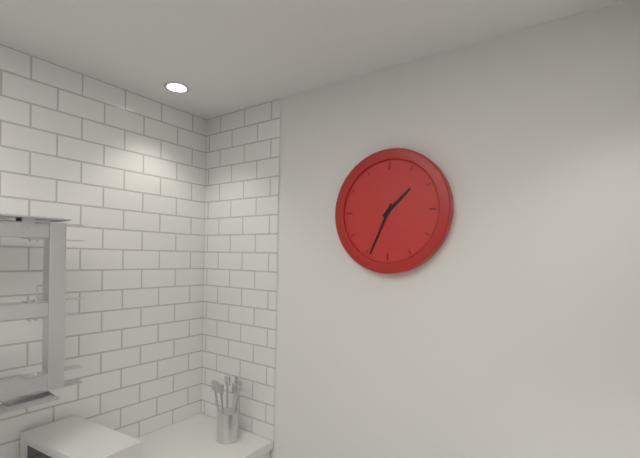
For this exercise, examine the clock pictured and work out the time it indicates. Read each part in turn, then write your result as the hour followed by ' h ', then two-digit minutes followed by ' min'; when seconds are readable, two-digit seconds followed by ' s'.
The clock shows 1 h 34 min
